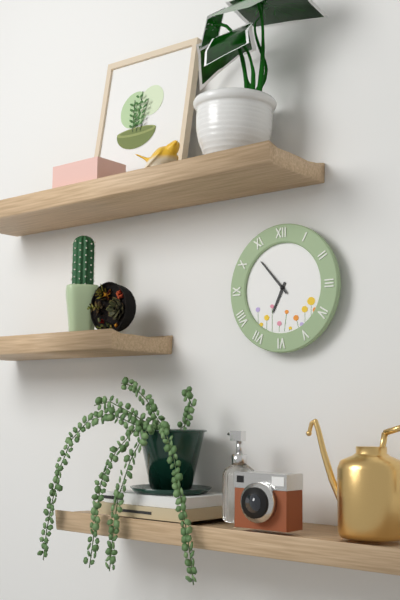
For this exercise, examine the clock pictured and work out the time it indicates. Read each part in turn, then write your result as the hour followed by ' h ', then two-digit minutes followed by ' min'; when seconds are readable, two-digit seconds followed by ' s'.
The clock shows 6 h 53 min
